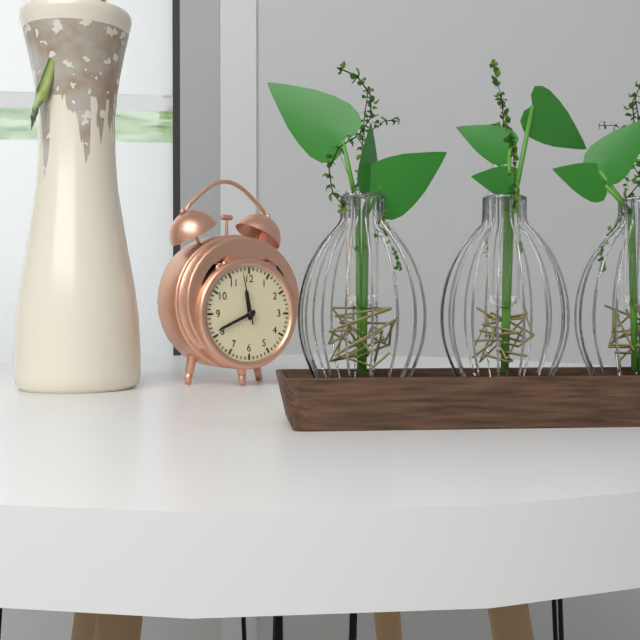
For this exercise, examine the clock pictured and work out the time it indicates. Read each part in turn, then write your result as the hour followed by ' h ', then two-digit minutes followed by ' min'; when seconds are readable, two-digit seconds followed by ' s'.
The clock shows 11 h 41 min 58 s
